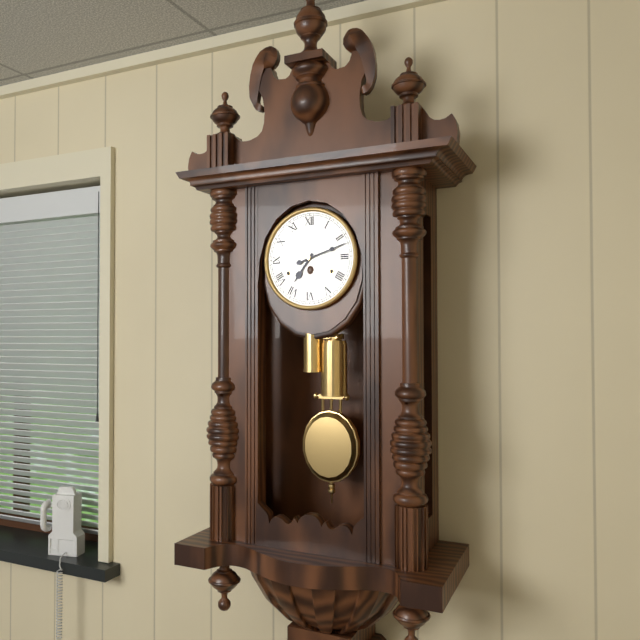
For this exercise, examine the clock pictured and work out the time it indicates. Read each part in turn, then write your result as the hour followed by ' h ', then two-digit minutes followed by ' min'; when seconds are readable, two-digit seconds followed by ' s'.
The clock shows 7 h 12 min
